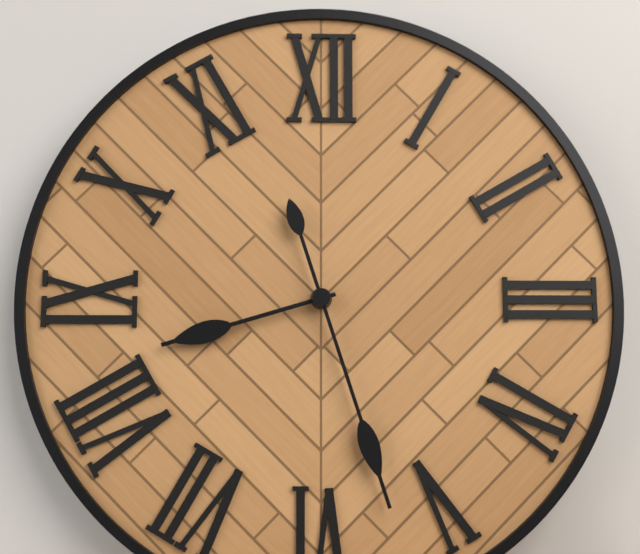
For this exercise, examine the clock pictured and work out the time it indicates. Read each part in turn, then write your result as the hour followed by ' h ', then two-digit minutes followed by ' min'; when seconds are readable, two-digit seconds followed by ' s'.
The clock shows 8 h 27 min
